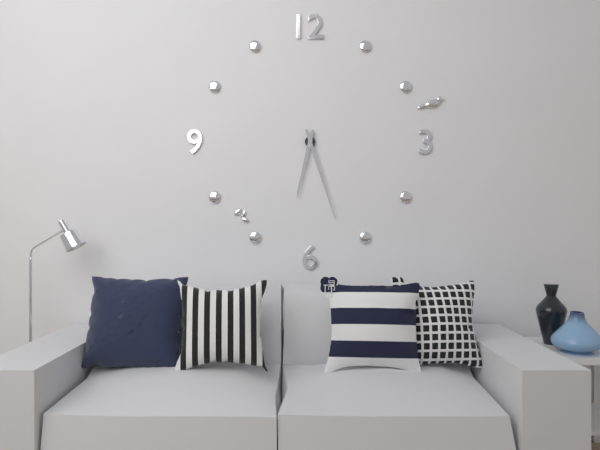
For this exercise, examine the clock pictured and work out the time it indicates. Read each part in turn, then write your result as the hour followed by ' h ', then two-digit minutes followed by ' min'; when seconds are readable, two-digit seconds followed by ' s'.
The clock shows 6 h 27 min
